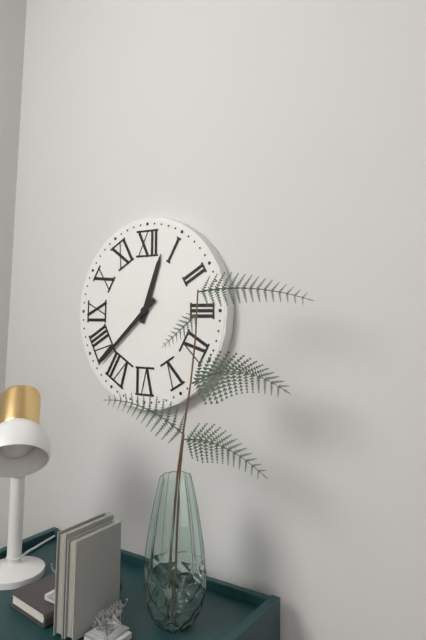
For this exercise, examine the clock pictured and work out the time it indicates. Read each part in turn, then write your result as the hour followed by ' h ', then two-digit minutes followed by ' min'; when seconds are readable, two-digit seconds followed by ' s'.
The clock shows 12 h 38 min
